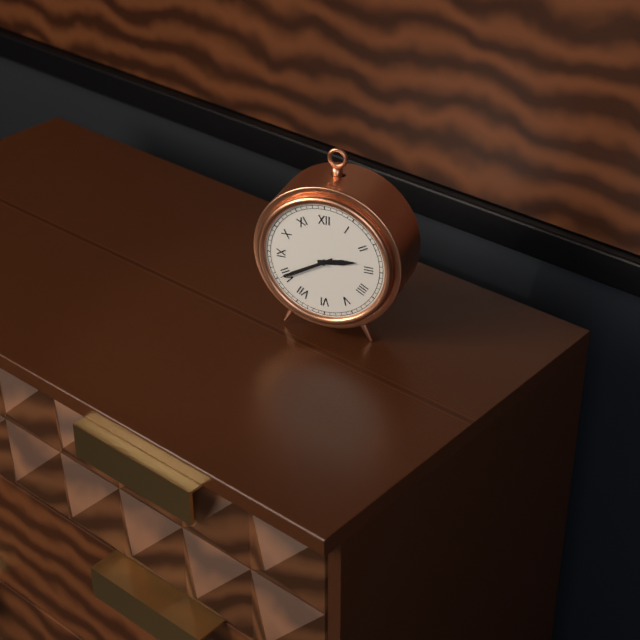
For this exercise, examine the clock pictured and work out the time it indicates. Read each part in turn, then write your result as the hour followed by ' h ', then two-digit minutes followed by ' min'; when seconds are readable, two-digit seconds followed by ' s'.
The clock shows 2 h 40 min
